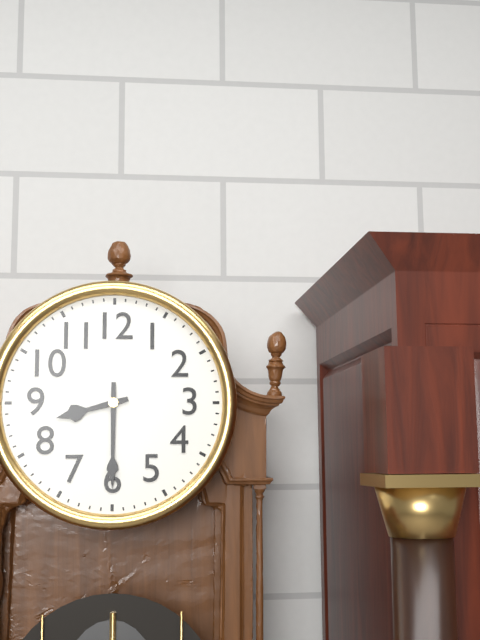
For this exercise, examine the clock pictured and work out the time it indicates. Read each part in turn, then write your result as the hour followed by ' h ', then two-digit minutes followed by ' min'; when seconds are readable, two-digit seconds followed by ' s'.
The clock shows 8 h 30 min
